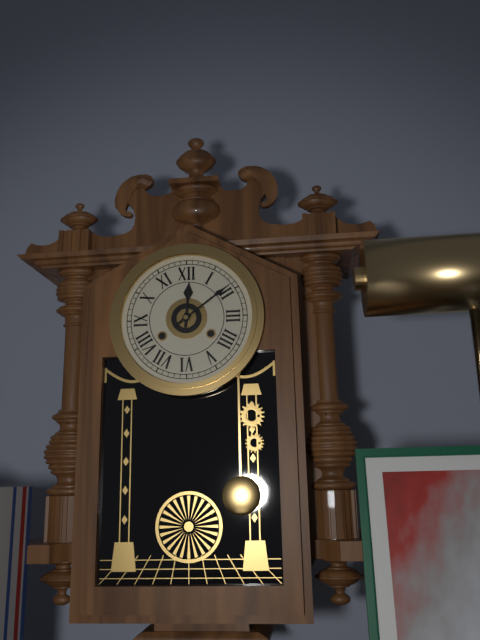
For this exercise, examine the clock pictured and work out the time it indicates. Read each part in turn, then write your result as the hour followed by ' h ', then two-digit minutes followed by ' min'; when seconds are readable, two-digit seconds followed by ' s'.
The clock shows 12 h 09 min
